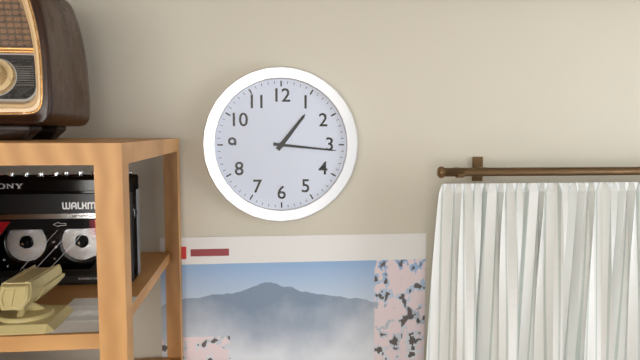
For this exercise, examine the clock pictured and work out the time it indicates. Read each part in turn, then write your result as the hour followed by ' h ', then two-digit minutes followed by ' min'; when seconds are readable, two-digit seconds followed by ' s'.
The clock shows 1 h 16 min
